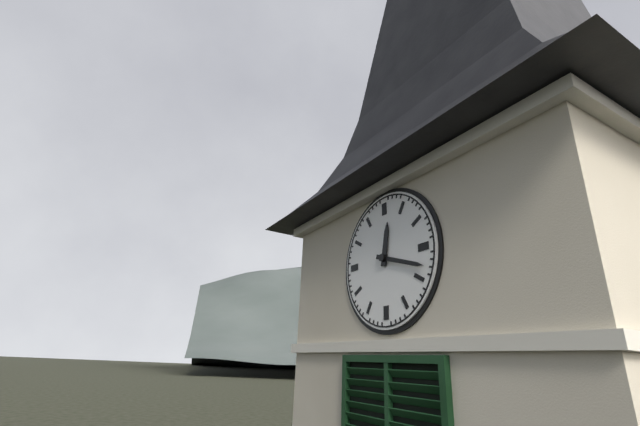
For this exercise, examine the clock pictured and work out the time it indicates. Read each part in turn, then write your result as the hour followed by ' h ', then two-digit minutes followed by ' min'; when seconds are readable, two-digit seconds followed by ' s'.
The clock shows 12 h 18 min
